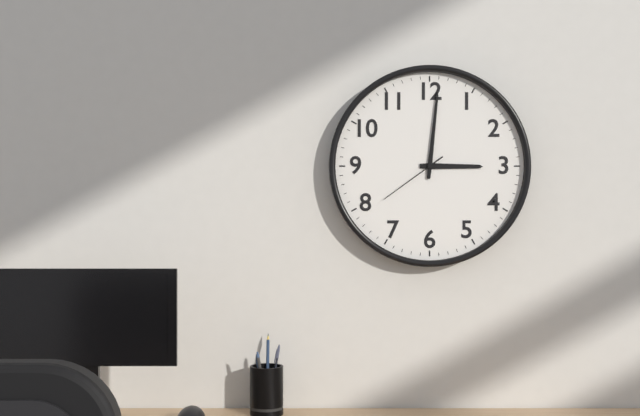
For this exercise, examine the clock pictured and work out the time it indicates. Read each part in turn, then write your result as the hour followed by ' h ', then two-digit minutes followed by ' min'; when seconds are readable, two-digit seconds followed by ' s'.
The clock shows 3 h 01 min 39 s
